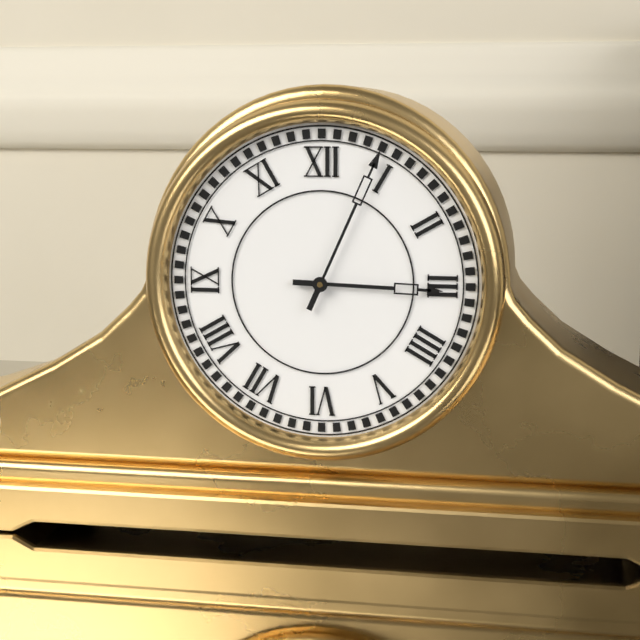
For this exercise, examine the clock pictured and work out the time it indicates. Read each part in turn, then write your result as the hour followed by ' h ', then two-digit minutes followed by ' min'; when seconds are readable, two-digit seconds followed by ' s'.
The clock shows 3 h 04 min
